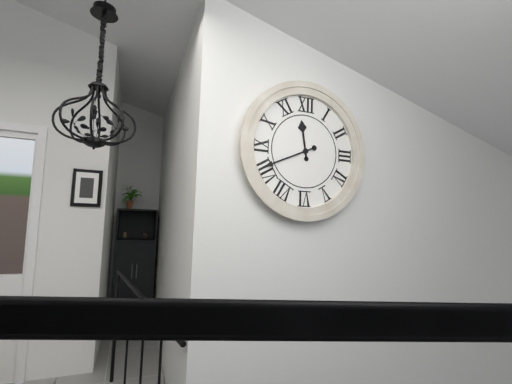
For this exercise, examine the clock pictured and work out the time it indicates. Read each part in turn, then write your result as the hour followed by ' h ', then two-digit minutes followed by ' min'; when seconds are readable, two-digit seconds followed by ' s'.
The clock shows 11 h 41 min
